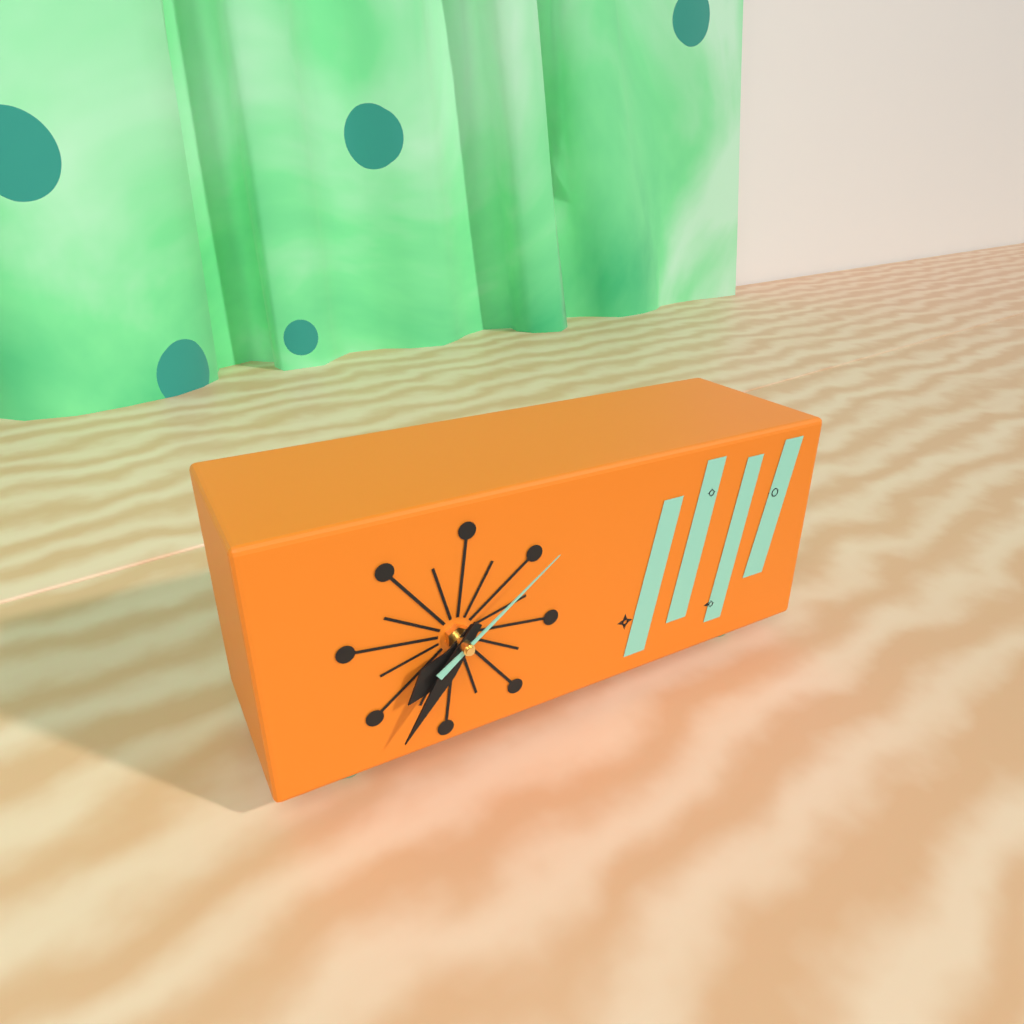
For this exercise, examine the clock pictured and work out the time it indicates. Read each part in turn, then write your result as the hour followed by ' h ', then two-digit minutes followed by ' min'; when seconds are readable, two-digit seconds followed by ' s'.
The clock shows 7 h 36 min 09 s
